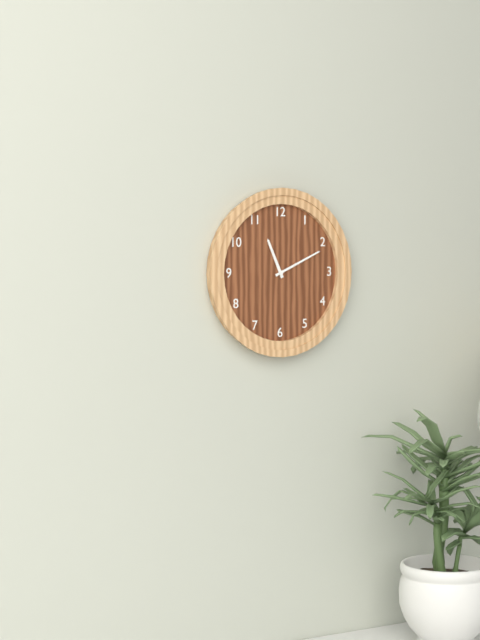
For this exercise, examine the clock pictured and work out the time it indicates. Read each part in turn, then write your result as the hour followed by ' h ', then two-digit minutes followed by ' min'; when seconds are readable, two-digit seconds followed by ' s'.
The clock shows 11 h 11 min
